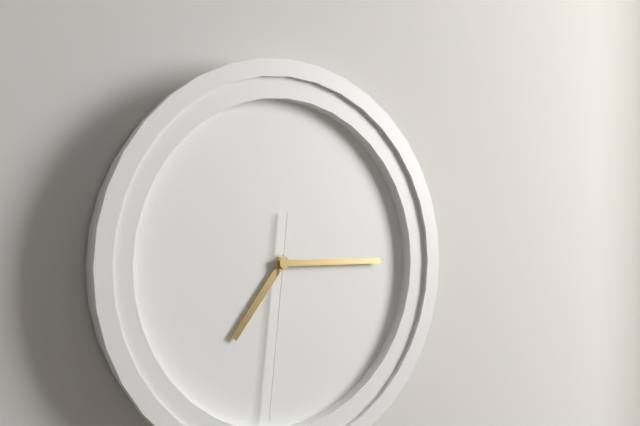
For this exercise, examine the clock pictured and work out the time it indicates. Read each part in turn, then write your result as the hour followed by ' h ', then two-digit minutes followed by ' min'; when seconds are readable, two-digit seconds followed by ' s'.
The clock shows 7 h 15 min 31 s
